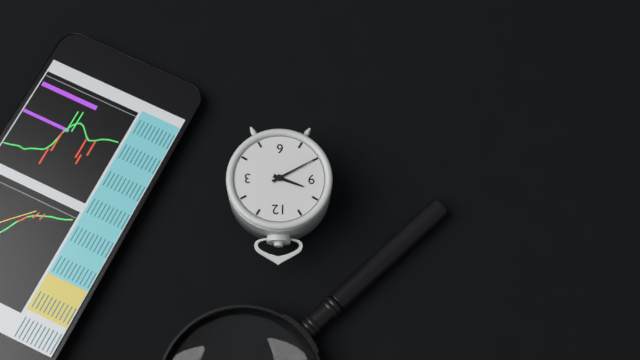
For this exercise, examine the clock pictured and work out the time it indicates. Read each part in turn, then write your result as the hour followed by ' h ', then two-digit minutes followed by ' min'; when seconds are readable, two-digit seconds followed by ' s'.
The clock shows 9 h 40 min
